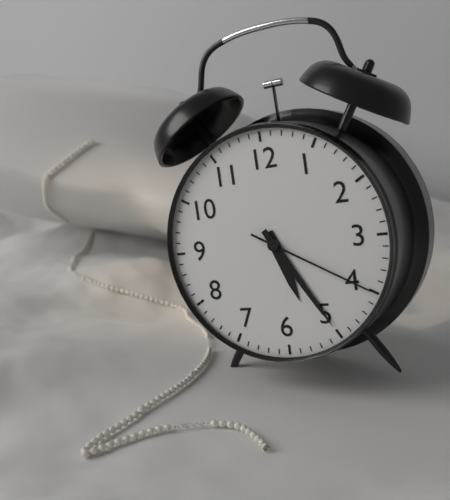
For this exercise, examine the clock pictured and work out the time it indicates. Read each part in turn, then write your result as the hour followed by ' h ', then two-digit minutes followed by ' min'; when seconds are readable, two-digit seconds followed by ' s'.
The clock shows 5 h 25 min 20 s
